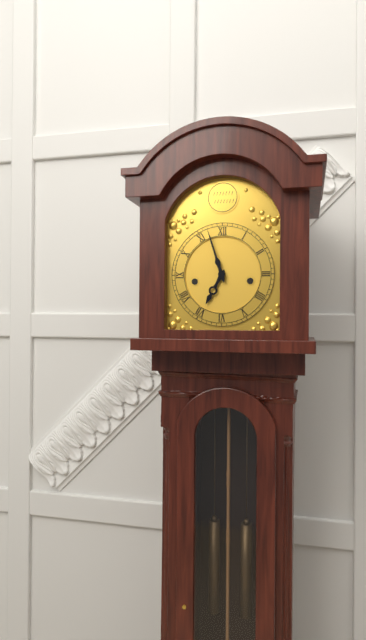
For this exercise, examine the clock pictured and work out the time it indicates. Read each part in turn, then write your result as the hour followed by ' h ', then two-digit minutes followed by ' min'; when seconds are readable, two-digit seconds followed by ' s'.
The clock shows 6 h 57 min
